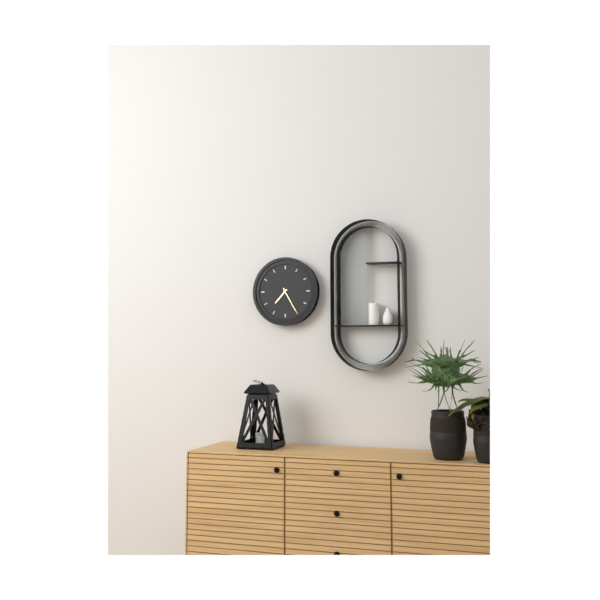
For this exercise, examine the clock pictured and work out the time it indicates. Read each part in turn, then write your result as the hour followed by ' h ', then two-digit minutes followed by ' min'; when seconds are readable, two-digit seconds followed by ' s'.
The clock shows 7 h 25 min
